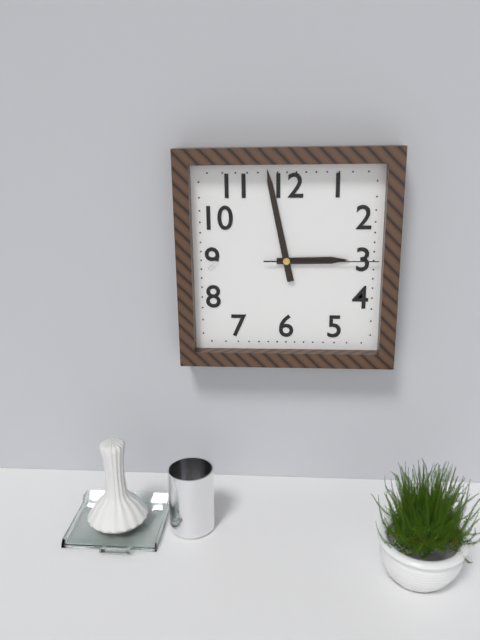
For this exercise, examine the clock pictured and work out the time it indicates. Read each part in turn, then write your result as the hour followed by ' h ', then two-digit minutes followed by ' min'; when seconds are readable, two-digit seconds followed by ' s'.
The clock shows 2 h 58 min 15 s
